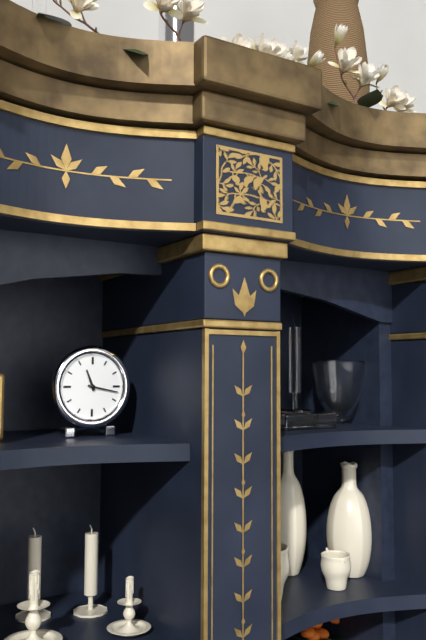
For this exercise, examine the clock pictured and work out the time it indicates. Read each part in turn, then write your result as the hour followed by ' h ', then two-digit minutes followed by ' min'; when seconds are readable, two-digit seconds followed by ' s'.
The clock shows 11 h 17 min
